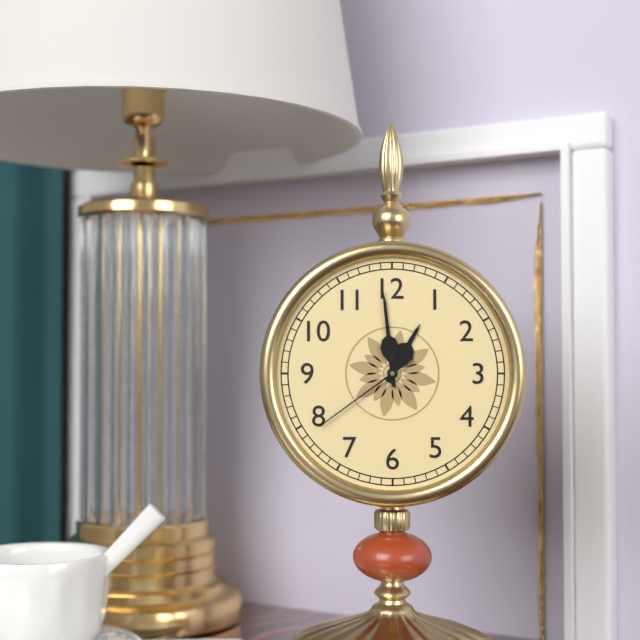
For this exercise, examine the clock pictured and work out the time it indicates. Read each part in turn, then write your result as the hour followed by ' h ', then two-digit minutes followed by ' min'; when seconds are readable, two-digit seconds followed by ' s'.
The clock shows 12 h 59 min 39 s
